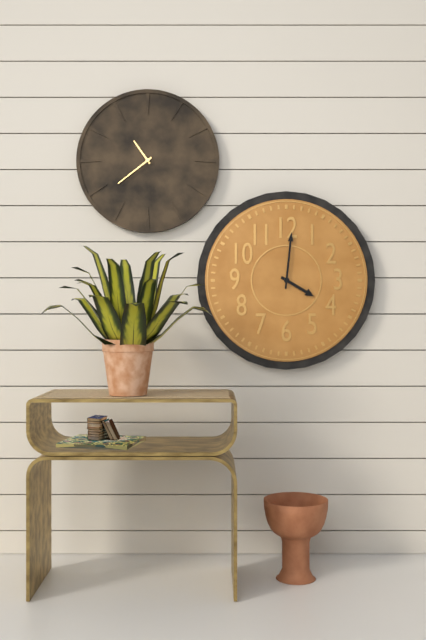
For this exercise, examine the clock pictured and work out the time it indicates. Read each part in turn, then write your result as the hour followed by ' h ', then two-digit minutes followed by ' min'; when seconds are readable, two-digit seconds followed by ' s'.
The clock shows 4 h 01 min
